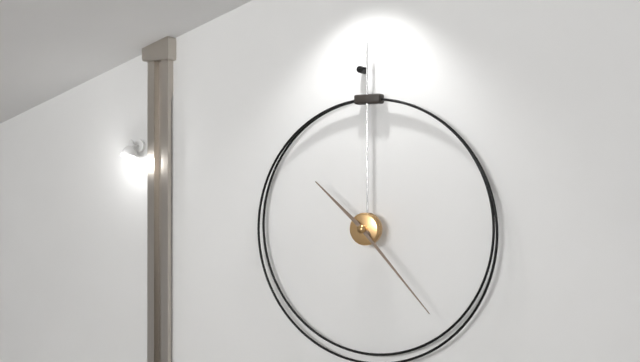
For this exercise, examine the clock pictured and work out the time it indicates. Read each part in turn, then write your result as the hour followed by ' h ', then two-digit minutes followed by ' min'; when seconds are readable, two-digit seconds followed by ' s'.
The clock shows 10 h 23 min
